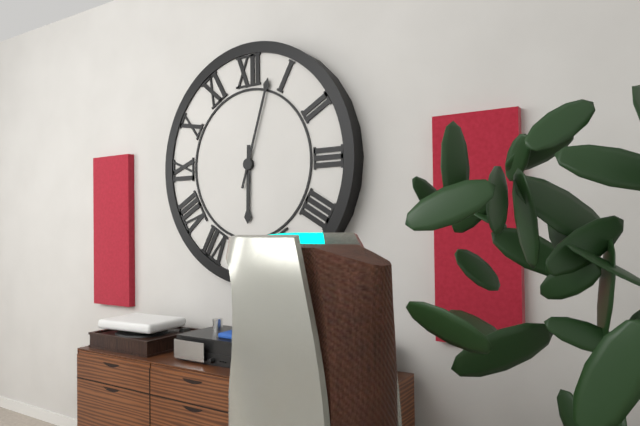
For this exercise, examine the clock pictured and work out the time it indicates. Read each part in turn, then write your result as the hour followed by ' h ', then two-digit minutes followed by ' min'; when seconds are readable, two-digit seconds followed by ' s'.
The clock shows 6 h 03 min
